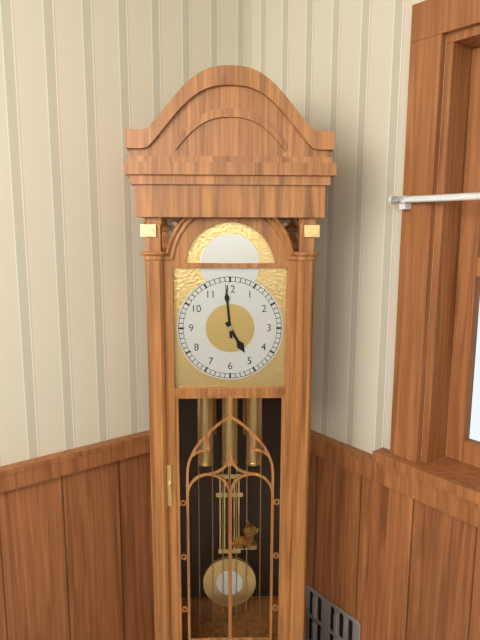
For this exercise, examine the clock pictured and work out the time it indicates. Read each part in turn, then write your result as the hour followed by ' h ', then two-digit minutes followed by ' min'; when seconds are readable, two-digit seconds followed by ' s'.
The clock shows 4 h 59 min
